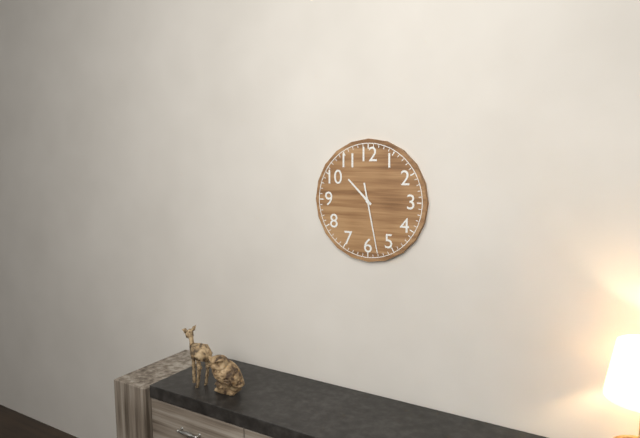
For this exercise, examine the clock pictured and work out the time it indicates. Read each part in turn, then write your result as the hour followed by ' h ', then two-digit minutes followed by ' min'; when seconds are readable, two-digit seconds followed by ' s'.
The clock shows 10 h 28 min
